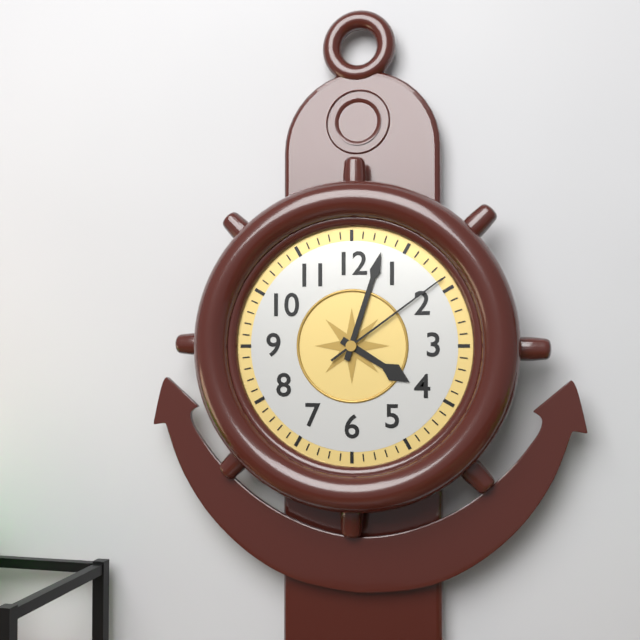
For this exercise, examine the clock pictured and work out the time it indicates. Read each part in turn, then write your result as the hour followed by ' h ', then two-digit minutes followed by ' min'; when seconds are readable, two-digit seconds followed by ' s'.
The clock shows 4 h 03 min 09 s
